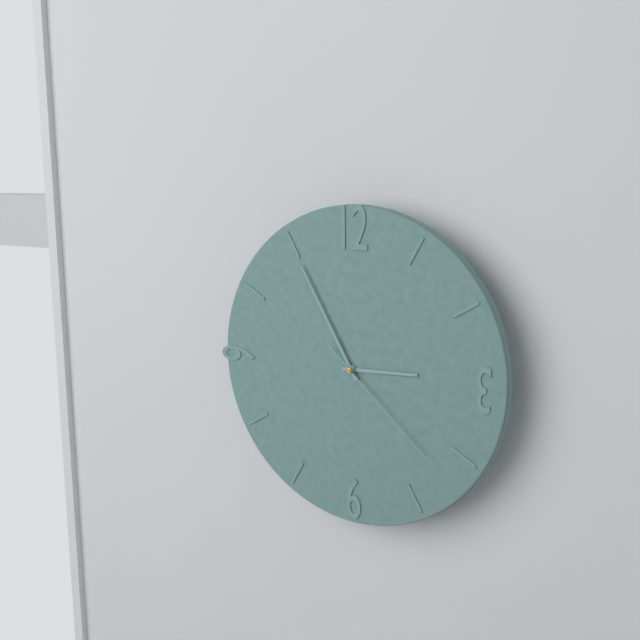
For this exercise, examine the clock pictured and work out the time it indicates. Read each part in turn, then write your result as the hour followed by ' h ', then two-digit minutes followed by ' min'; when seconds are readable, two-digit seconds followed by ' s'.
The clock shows 2 h 55 min 22 s
